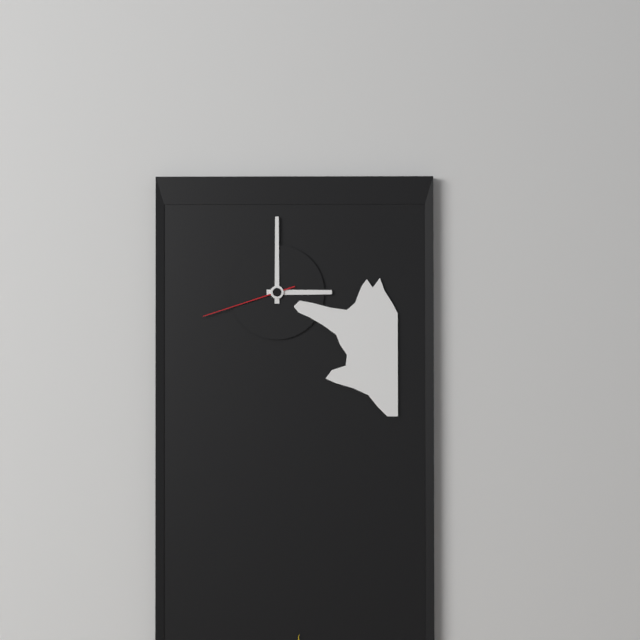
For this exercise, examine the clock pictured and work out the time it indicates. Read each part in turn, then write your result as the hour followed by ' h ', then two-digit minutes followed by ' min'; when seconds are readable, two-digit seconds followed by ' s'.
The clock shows 3 h 00 min 42 s
